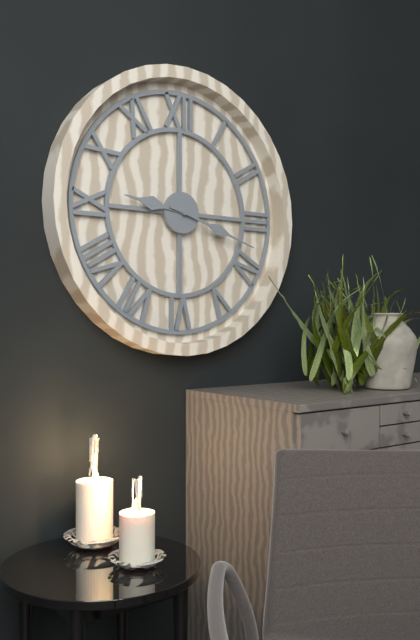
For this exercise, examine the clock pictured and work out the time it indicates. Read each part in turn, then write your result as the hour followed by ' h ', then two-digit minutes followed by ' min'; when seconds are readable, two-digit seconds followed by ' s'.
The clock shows 9 h 18 min
